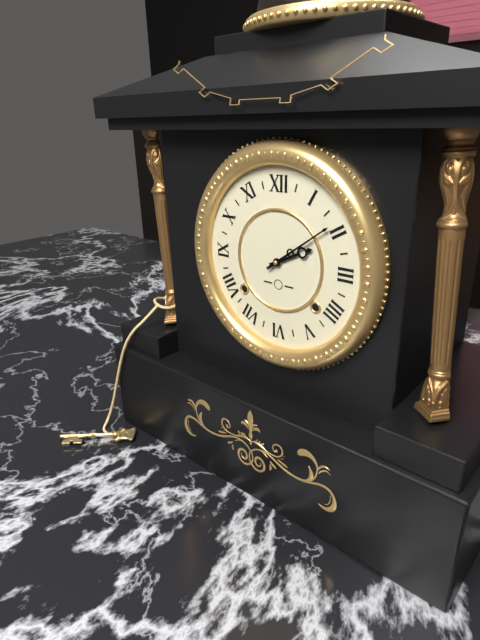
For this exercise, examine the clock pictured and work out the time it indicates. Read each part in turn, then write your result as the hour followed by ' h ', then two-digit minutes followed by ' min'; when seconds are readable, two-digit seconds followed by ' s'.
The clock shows 2 h 09 min
